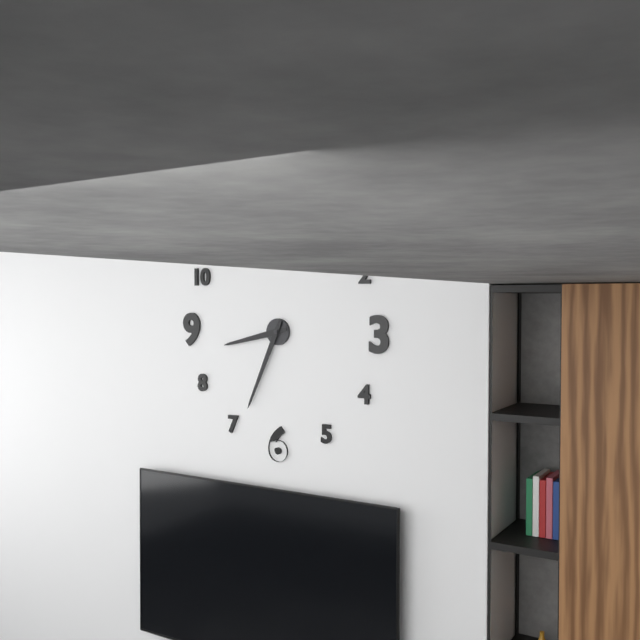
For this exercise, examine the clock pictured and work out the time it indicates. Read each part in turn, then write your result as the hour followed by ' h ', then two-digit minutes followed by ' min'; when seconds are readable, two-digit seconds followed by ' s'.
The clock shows 8 h 34 min
